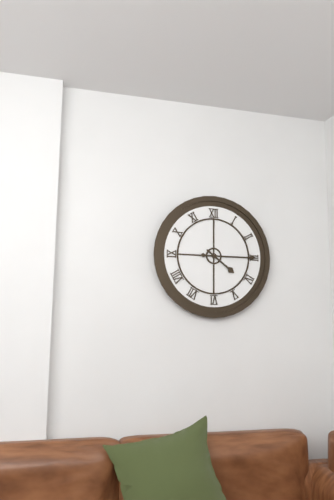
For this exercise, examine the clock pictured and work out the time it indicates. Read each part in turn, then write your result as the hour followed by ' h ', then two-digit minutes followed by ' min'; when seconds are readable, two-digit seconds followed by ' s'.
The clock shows 4 h 15 min
